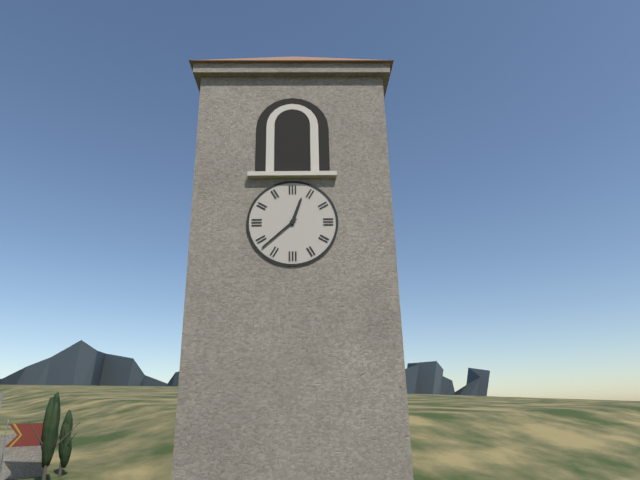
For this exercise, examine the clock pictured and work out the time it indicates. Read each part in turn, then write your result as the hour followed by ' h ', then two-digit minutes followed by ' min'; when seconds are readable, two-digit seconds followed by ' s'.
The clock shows 12 h 38 min
